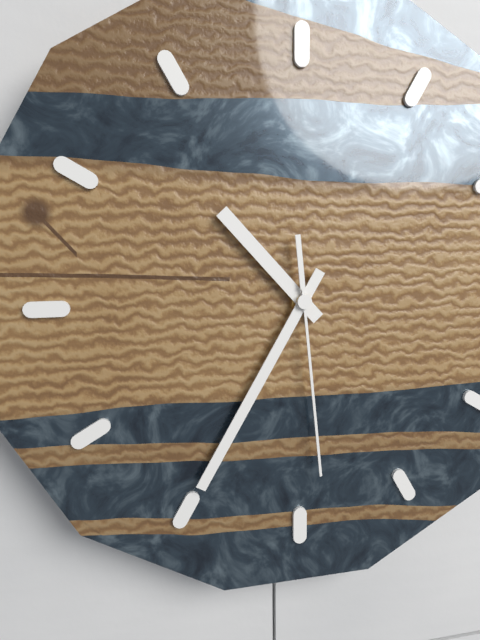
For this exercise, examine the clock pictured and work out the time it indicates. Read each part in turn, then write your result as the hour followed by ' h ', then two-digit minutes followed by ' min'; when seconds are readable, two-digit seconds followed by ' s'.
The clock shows 10 h 35 min 29 s
